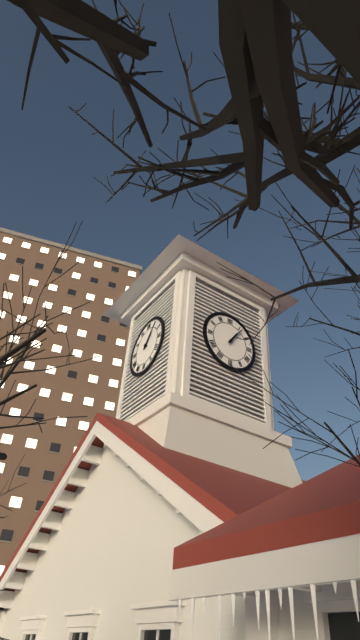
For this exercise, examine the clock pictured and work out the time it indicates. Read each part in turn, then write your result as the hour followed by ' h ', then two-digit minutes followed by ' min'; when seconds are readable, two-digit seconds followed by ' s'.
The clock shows 1 h 06 min
